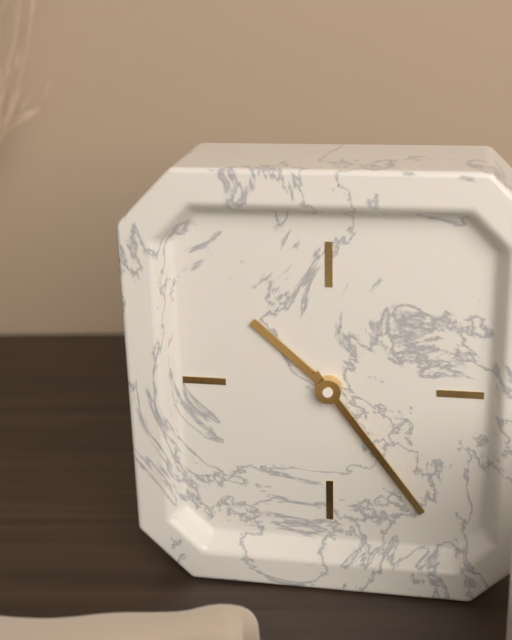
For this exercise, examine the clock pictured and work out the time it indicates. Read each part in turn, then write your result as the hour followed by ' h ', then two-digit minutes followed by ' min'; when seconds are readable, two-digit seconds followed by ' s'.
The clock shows 10 h 24 min
